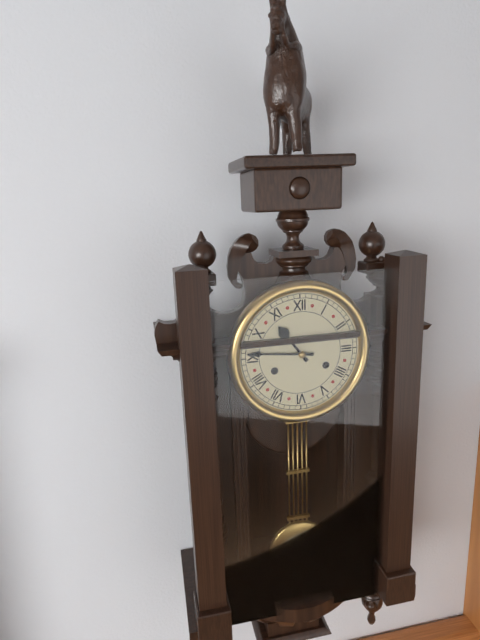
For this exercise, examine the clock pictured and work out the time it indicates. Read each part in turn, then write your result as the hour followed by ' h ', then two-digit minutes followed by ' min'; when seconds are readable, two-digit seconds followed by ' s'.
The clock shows 10 h 46 min
